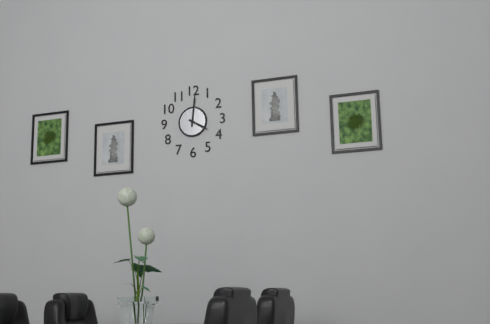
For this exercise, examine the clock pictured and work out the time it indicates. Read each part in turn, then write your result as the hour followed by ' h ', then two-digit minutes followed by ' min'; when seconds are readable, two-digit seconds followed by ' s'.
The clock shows 4 h 01 min
